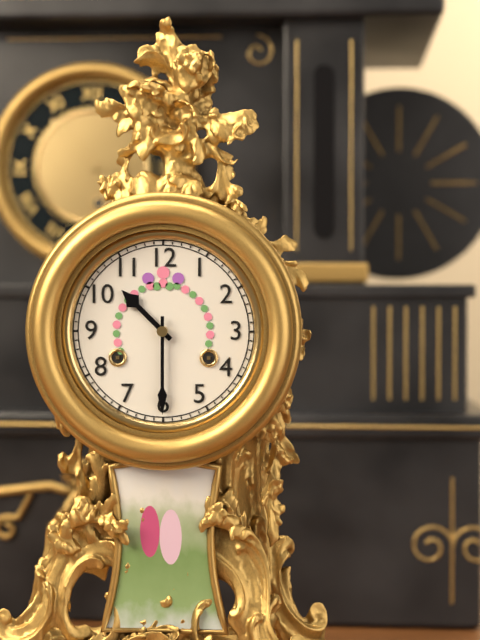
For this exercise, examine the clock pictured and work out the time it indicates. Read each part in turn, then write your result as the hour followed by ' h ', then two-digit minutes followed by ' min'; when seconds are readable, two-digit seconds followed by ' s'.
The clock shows 10 h 30 min
